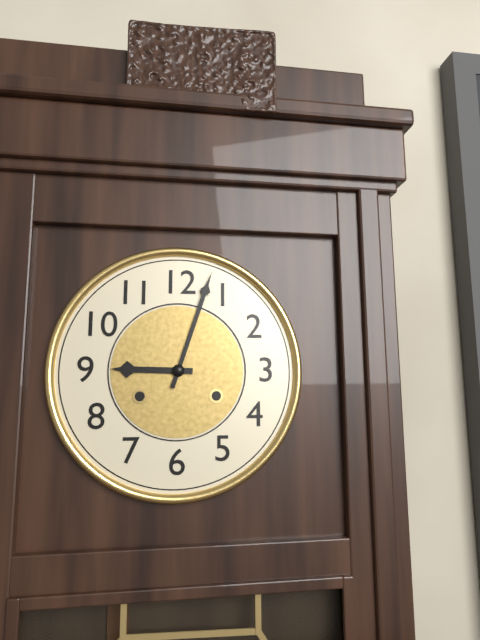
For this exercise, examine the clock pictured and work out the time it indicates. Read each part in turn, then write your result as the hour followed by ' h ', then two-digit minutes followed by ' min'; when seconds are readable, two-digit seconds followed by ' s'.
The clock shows 9 h 03 min
